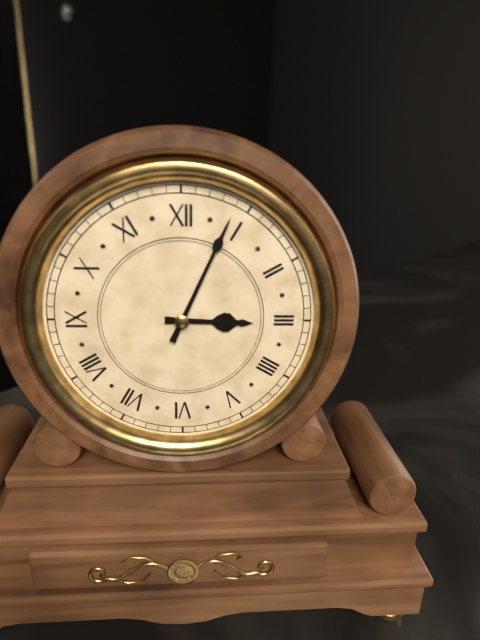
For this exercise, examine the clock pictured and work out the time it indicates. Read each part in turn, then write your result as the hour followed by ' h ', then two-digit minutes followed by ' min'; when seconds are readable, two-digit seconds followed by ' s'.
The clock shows 3 h 04 min
